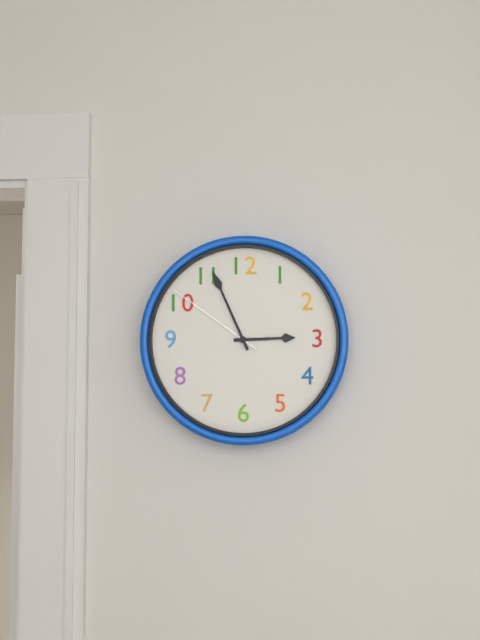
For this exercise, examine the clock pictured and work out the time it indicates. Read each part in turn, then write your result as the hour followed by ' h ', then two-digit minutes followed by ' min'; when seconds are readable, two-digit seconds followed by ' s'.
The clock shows 2 h 56 min 51 s
